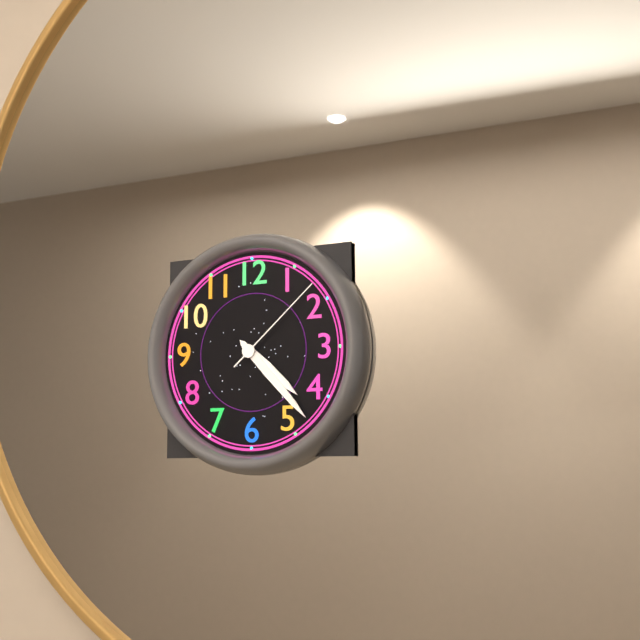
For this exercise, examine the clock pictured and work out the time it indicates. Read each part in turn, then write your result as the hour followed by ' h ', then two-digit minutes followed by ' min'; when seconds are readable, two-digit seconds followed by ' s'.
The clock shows 4 h 23 min 08 s
